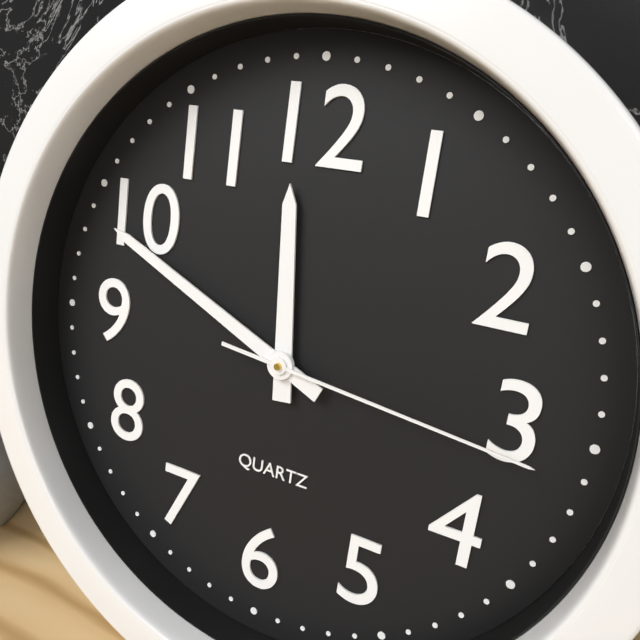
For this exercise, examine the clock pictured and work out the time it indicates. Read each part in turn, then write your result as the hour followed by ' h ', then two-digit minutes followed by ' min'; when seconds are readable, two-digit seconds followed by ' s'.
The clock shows 11 h 49 min 16 s
